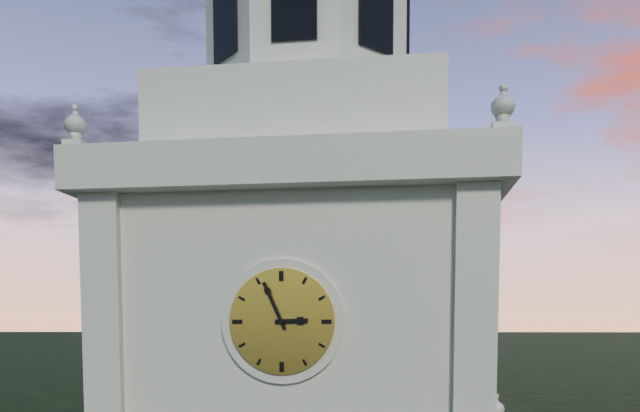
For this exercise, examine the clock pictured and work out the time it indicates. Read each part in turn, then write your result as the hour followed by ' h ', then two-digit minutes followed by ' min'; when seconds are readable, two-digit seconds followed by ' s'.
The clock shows 2 h 56 min
